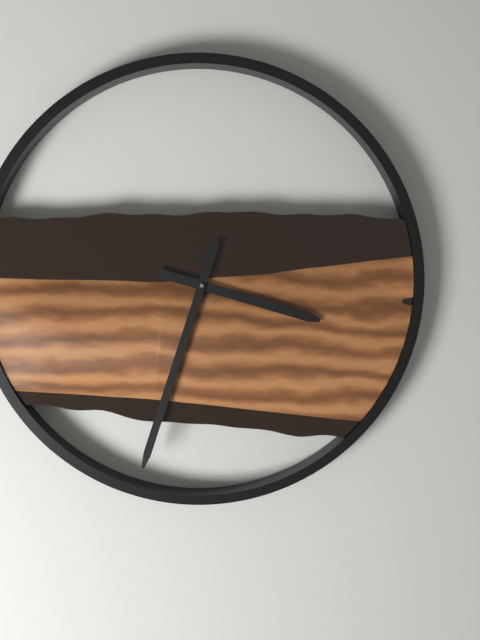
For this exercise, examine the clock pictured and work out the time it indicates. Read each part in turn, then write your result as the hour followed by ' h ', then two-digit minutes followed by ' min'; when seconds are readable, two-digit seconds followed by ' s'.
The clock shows 3 h 33 min
